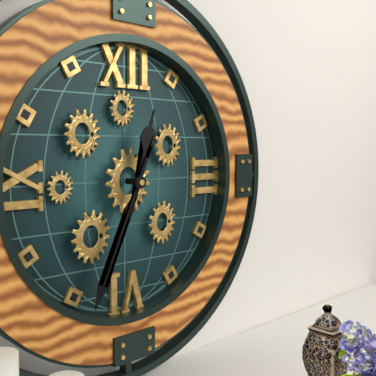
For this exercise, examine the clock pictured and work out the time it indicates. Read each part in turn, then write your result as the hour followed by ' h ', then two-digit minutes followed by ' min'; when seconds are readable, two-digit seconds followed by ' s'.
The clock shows 12 h 34 min
